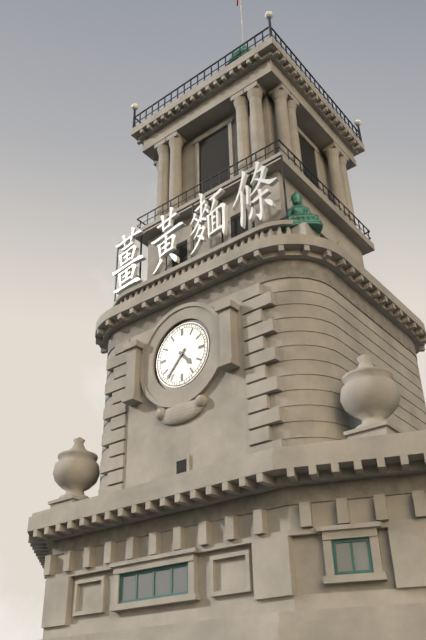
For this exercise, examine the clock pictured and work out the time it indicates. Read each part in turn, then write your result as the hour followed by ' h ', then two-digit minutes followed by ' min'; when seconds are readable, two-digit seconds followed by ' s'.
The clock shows 4 h 37 min
